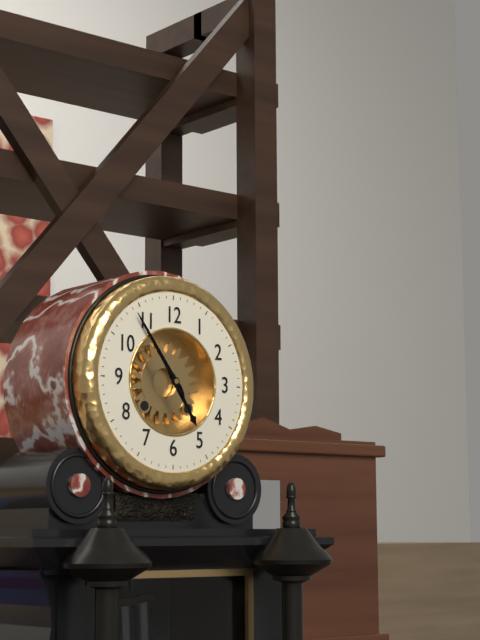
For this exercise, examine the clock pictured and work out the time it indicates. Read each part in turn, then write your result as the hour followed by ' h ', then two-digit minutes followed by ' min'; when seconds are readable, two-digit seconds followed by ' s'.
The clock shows 4 h 54 min
